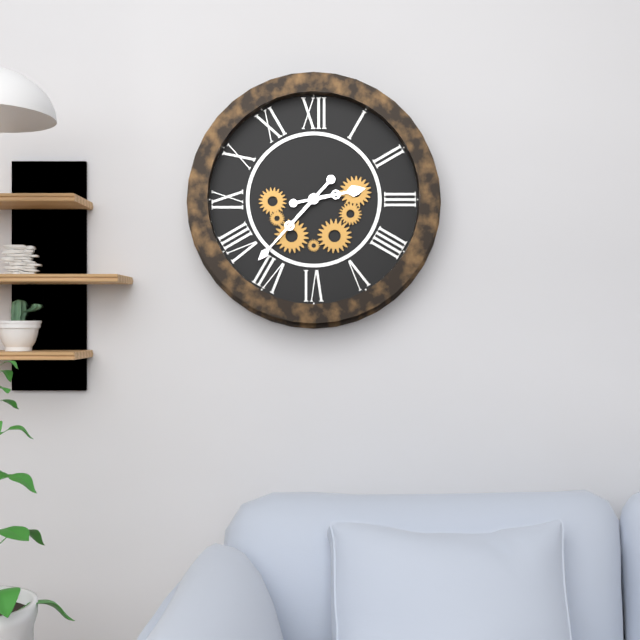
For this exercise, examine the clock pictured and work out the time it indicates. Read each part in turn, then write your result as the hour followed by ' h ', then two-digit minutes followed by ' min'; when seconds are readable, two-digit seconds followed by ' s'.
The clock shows 2 h 37 min
